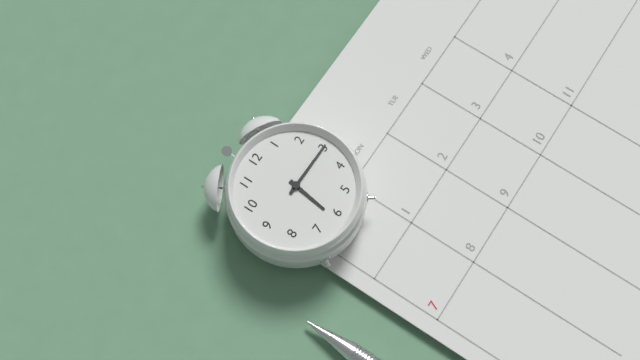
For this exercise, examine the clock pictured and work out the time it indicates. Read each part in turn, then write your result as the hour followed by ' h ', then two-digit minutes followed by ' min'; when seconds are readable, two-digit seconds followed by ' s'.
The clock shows 6 h 15 min
